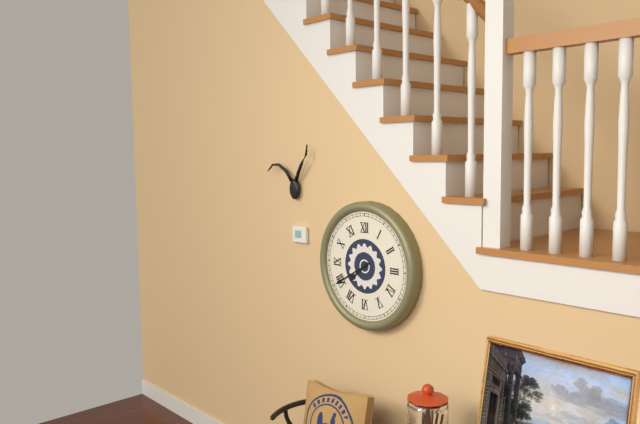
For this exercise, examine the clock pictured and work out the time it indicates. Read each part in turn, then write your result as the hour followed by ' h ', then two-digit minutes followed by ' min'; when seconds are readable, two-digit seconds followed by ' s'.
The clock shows 7 h 40 min
